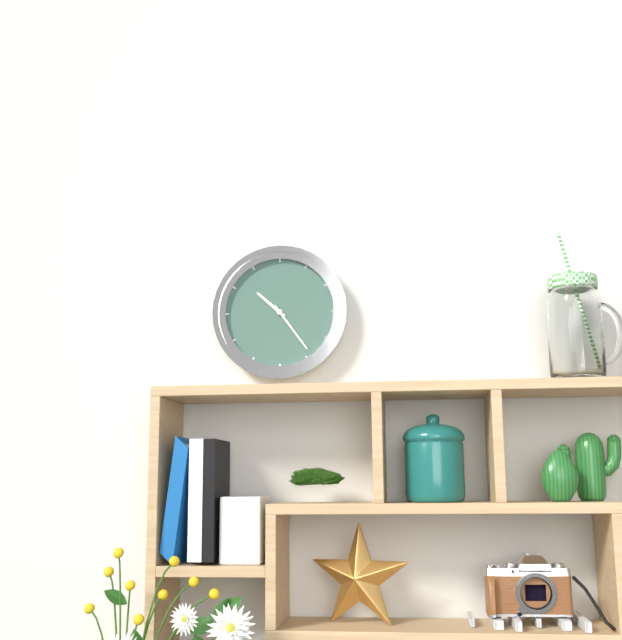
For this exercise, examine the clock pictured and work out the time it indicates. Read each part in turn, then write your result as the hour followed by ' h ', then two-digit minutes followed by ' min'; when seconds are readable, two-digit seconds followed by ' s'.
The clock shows 10 h 24 min
